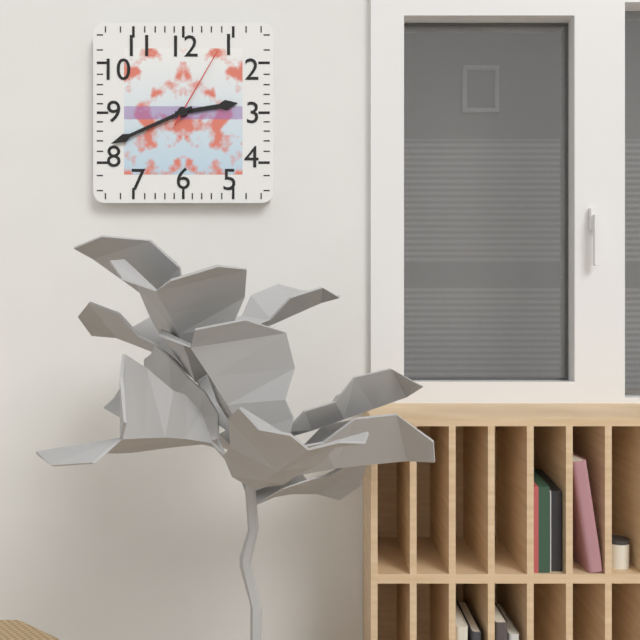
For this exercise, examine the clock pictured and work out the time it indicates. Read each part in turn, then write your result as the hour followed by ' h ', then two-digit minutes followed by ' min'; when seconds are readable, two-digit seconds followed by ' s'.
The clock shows 2 h 41 min 05 s
